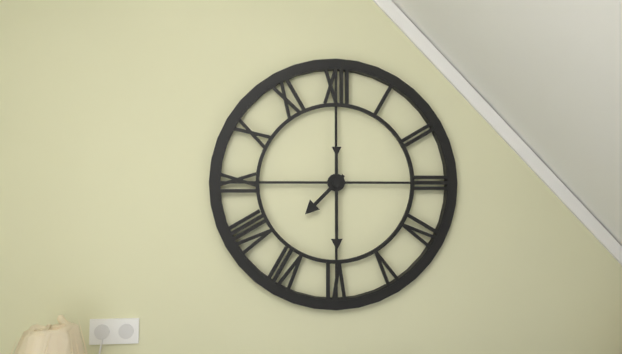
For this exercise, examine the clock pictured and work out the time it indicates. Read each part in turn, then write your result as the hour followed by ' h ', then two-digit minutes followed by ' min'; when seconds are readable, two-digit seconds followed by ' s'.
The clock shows 7 h 30 min
